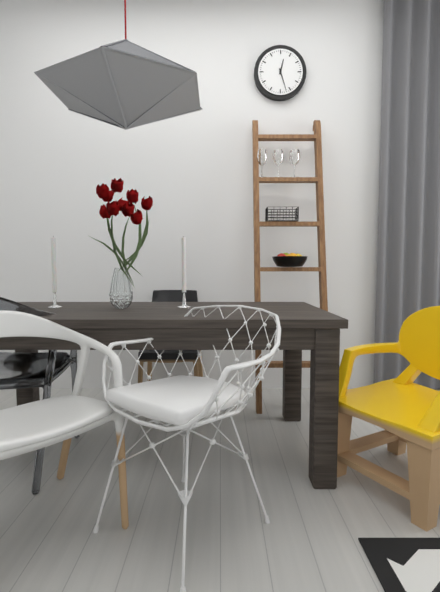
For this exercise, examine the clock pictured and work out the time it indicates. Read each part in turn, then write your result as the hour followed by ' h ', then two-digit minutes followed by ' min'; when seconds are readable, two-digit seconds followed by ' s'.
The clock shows 12 h 27 min
